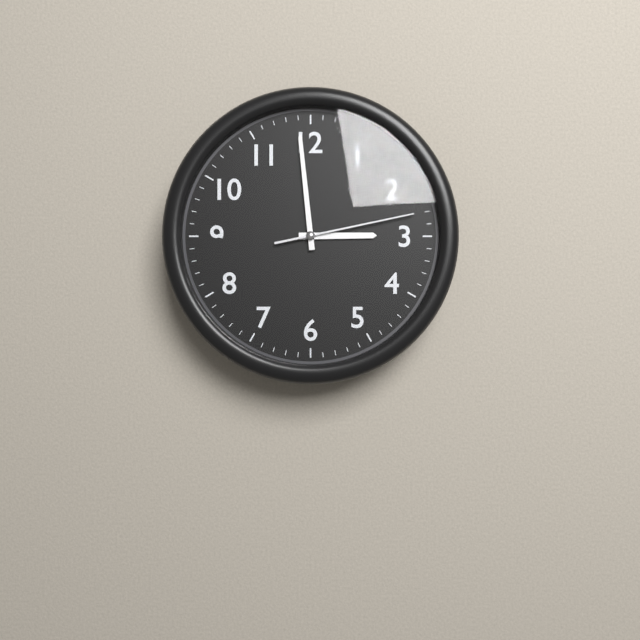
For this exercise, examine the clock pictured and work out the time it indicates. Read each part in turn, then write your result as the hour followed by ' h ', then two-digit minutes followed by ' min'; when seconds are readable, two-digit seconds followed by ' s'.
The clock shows 2 h 59 min 13 s
